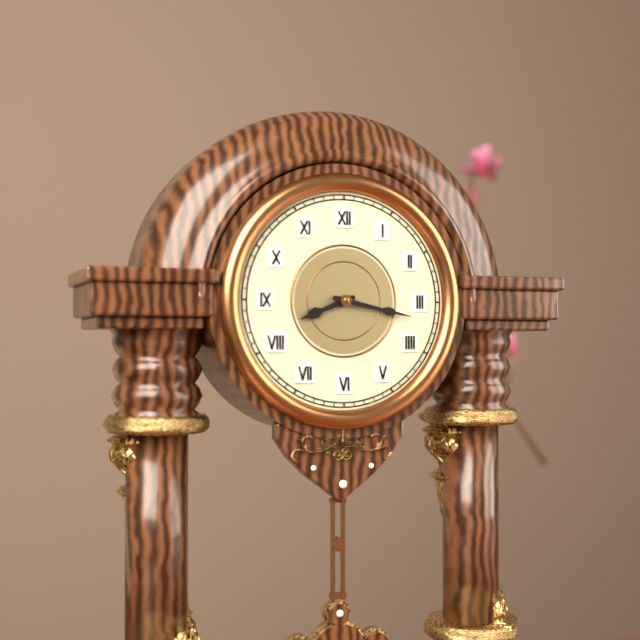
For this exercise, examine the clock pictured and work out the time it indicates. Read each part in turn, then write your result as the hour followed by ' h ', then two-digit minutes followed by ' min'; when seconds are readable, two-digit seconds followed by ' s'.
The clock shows 8 h 17 min
